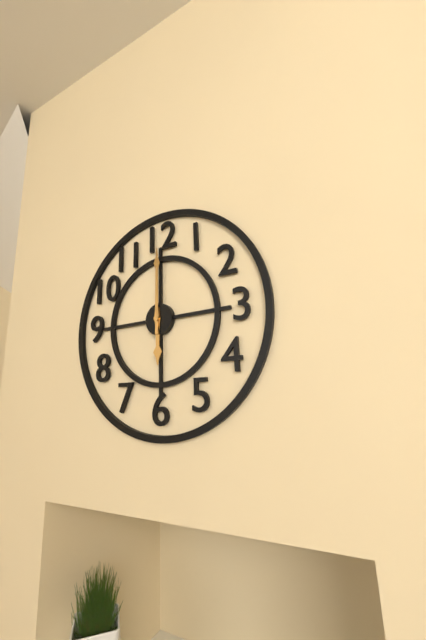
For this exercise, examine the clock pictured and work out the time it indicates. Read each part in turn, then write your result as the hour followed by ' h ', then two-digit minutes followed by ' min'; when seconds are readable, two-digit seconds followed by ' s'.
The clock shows 6 h 00 min
